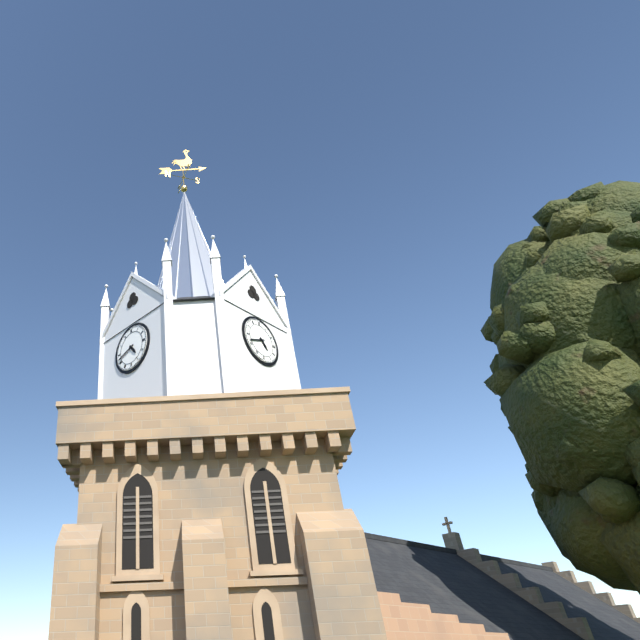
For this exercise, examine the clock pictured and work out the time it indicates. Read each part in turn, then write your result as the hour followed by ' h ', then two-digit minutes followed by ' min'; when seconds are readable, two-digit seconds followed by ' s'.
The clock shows 4 h 42 min
